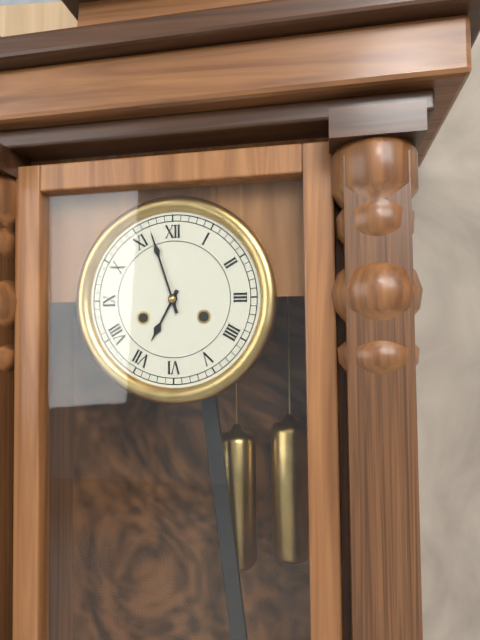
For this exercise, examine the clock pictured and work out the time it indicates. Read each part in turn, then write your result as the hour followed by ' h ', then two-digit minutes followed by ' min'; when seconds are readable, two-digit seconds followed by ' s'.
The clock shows 6 h 57 min
